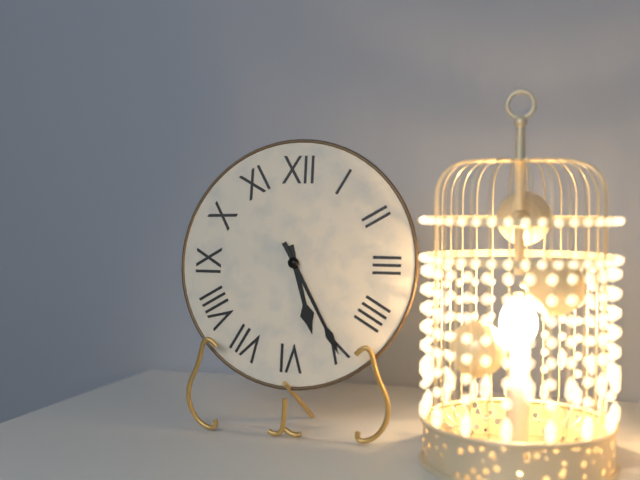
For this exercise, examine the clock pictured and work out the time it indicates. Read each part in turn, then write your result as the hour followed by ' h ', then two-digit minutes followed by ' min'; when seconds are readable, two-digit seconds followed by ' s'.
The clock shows 5 h 25 min
